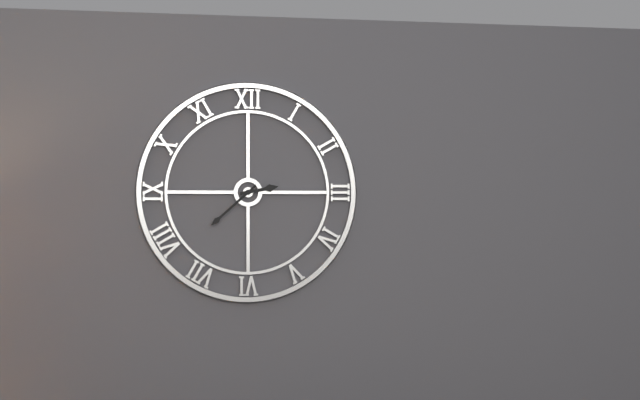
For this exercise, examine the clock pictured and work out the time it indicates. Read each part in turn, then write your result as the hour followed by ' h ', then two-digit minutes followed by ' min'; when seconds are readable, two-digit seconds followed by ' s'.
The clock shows 2 h 38 min
